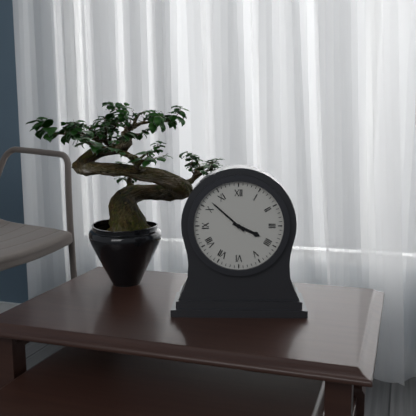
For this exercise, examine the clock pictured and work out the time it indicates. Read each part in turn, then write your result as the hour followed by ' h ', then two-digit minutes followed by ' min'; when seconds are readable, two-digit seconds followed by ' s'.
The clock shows 3 h 52 min
